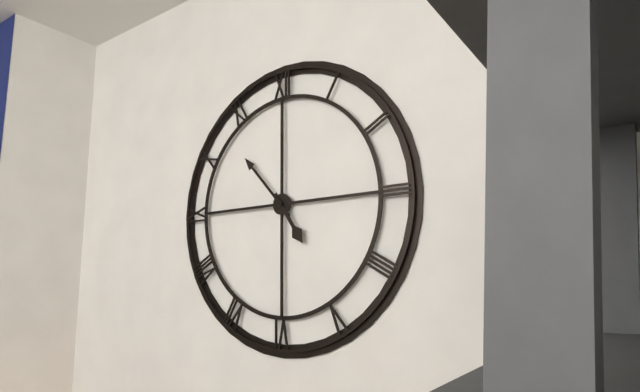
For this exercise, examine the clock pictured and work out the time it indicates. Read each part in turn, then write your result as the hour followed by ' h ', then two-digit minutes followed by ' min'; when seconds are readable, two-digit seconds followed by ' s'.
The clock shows 4 h 53 min
